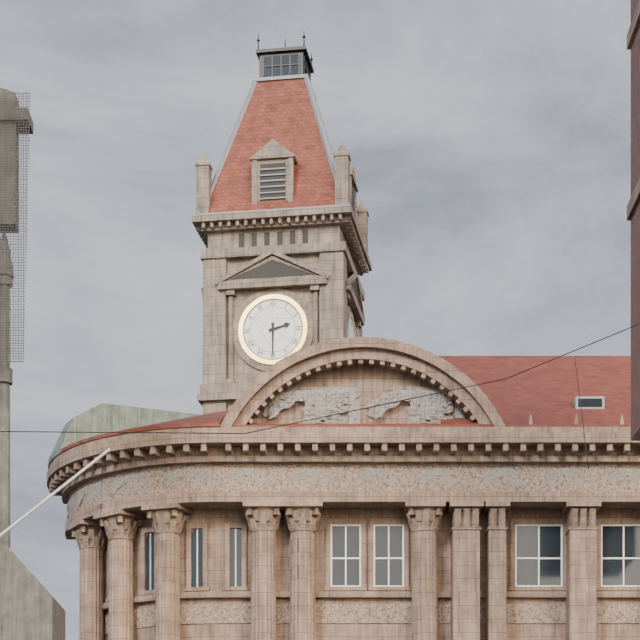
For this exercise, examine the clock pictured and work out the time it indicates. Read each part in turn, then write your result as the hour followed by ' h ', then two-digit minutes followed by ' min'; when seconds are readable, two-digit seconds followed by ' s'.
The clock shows 2 h 30 min
